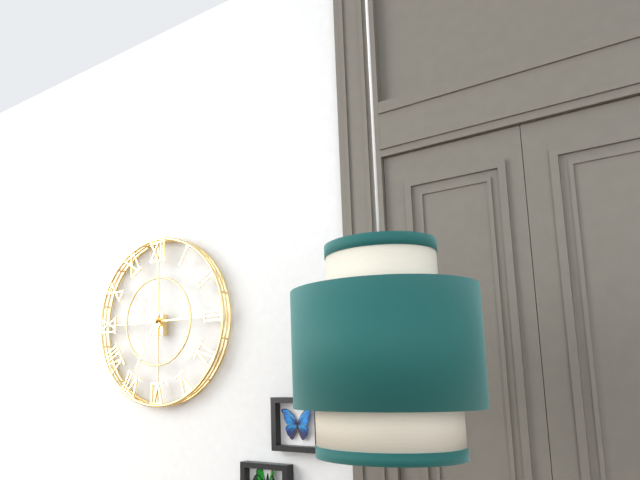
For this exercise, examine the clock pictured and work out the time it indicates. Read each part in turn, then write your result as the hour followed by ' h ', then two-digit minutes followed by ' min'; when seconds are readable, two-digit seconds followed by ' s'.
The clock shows 10 h 35 min
